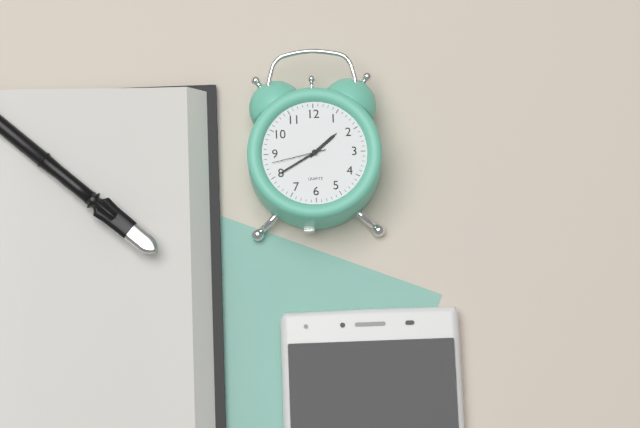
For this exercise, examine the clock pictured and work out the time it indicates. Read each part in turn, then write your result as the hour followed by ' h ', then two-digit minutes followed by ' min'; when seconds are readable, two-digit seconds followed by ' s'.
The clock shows 1 h 40 min 43 s
